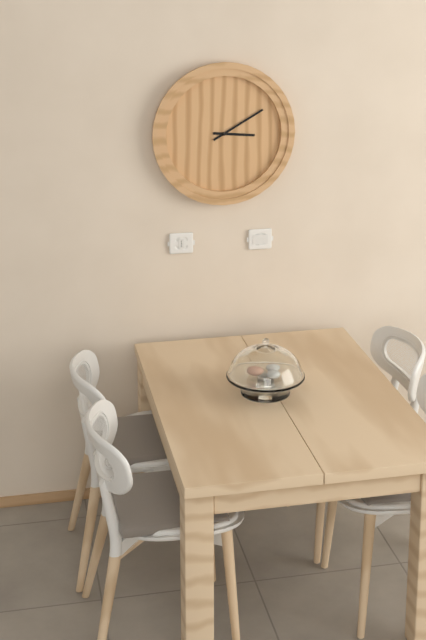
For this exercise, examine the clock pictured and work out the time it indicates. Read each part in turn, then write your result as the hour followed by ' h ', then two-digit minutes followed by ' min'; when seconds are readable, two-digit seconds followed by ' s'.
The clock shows 3 h 10 min
